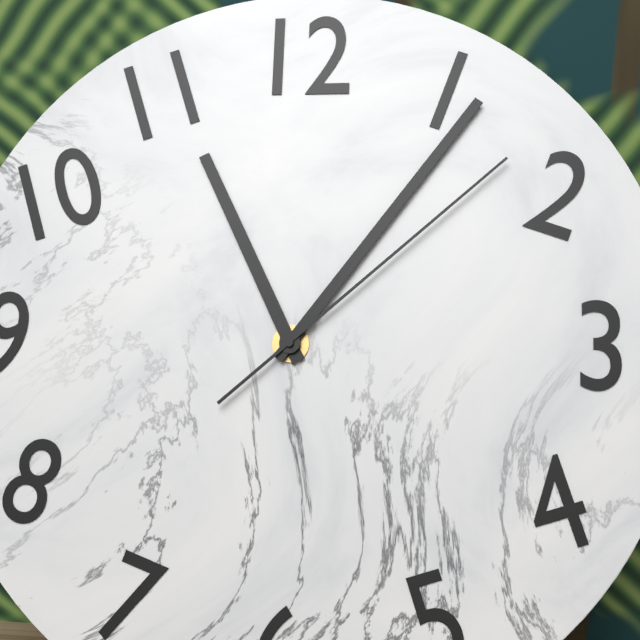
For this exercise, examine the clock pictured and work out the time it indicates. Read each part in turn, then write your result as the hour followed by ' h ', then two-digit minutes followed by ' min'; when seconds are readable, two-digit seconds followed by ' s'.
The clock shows 11 h 06 min 08 s
